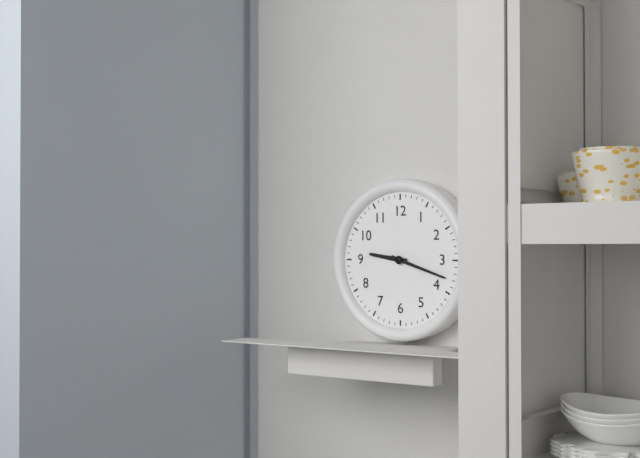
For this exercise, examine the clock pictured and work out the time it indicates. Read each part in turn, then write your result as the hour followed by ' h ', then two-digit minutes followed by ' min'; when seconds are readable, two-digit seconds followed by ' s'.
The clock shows 9 h 18 min
